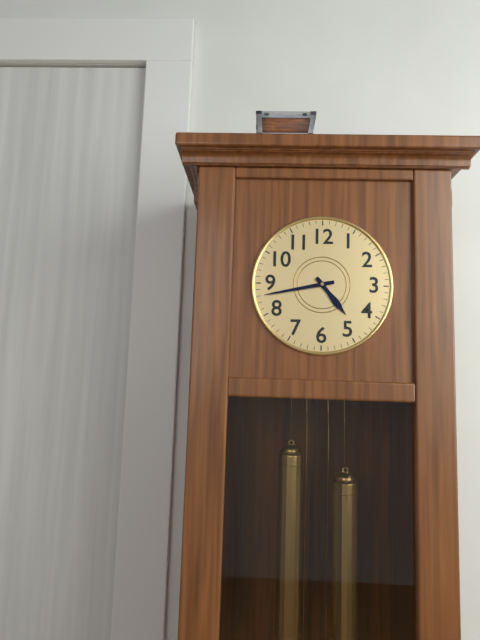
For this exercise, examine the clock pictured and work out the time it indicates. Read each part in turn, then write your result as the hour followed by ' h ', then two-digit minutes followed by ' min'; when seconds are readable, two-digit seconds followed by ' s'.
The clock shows 4 h 43 min
